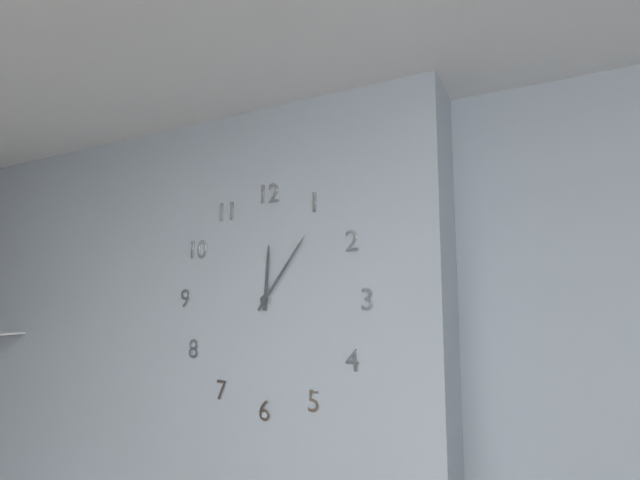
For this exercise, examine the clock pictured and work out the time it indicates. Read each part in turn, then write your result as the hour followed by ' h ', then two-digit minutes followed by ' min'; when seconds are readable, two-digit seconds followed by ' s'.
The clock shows 12 h 06 min
